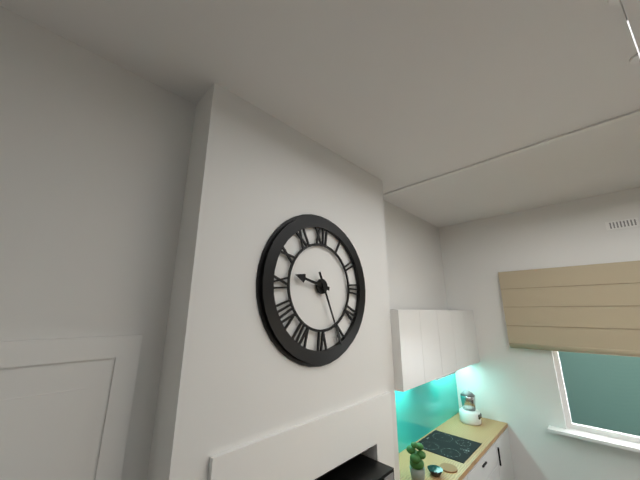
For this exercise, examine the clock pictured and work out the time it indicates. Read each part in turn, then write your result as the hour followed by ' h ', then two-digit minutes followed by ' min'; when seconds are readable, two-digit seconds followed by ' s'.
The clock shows 9 h 26 min
